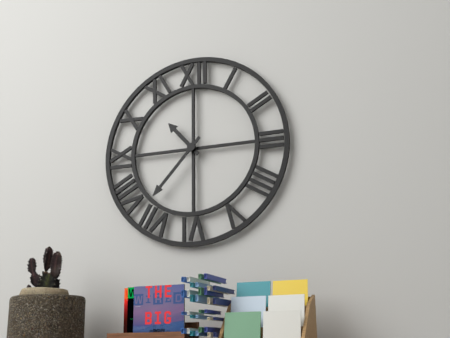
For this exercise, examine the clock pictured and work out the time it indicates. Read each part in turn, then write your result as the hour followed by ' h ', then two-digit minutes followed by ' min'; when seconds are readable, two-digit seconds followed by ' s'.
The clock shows 10 h 37 min
